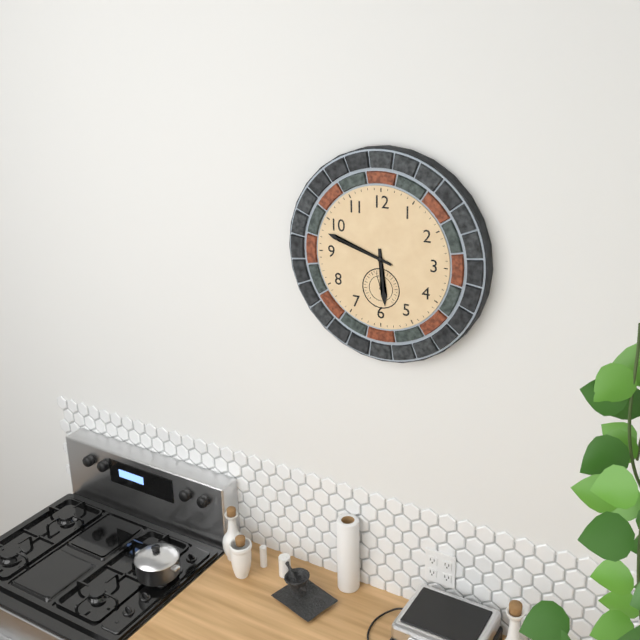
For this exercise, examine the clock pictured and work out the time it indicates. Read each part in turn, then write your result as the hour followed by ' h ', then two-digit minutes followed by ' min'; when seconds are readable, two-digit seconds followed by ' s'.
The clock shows 5 h 48 min
